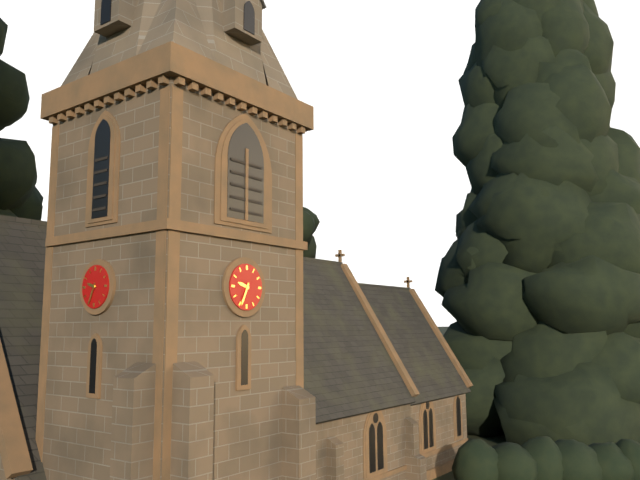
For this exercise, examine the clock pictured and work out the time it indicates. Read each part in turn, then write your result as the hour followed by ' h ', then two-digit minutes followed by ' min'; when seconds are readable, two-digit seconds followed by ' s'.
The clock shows 9 h 34 min
